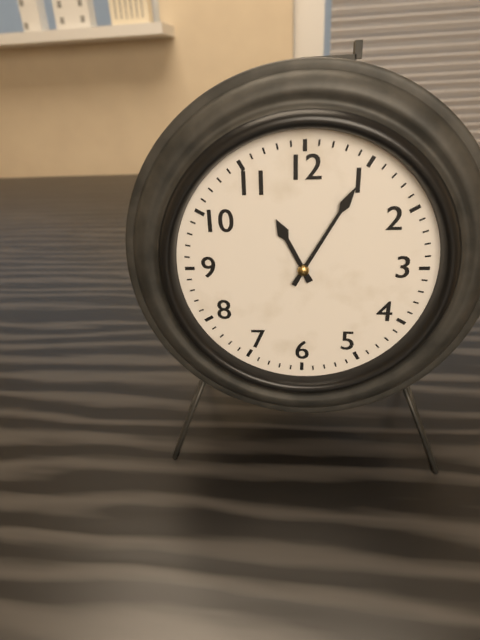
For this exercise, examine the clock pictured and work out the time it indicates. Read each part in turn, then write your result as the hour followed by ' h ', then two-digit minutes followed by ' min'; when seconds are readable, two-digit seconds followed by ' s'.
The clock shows 11 h 05 min
